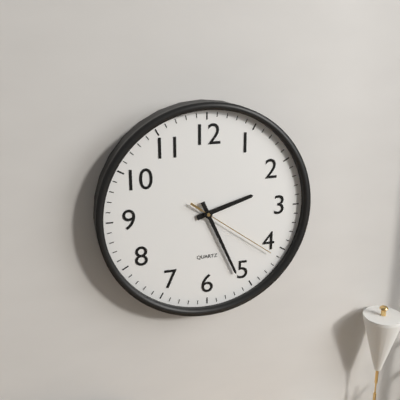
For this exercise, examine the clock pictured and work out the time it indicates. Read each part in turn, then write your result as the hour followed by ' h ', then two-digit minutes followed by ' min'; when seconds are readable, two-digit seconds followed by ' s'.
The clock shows 2 h 26 min 21 s
